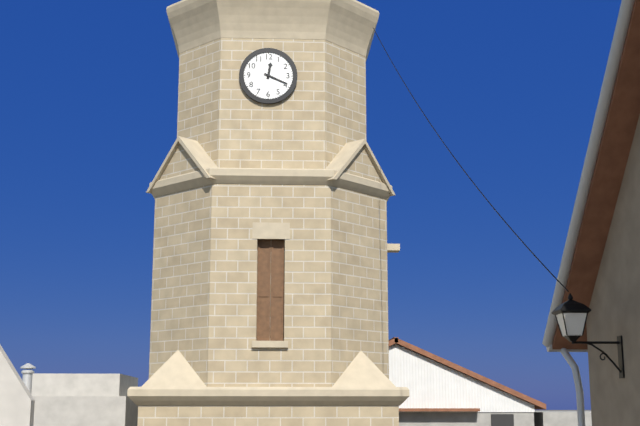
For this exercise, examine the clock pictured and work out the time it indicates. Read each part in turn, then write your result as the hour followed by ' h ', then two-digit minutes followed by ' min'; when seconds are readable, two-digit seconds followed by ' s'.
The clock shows 12 h 19 min
